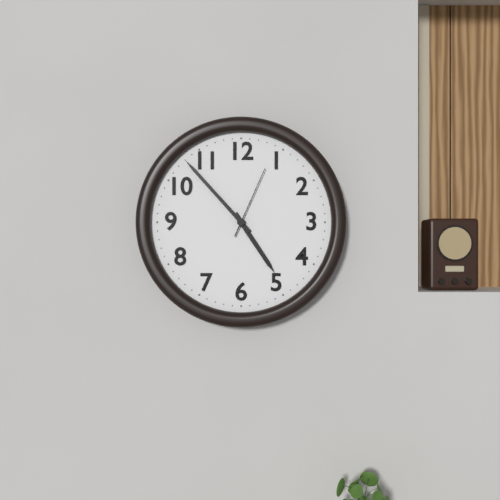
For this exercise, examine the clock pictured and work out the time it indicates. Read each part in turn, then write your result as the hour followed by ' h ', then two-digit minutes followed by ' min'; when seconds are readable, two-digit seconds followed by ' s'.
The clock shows 4 h 53 min 04 s
